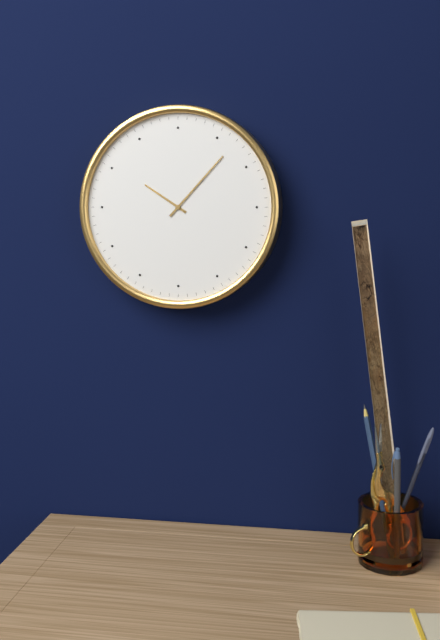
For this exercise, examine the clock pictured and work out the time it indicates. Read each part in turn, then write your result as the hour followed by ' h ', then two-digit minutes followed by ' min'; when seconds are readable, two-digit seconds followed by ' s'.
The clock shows 10 h 07 min
